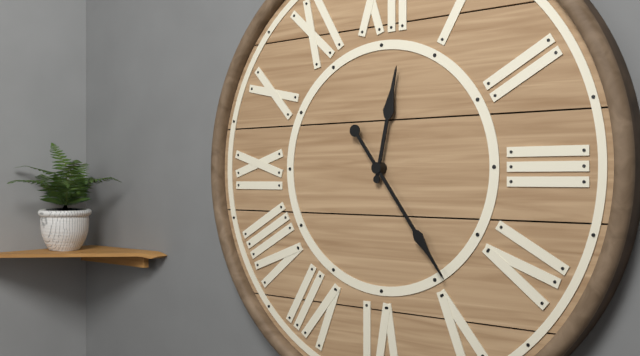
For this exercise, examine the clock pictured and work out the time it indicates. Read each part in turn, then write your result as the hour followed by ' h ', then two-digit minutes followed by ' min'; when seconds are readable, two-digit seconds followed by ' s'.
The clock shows 12 h 24 min
